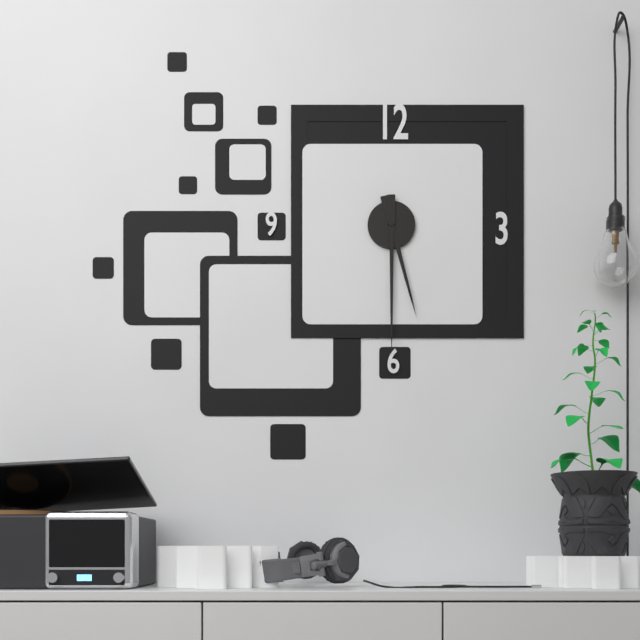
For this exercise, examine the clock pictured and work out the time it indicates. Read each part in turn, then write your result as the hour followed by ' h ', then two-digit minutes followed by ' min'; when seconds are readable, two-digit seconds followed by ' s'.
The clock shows 5 h 30 min
